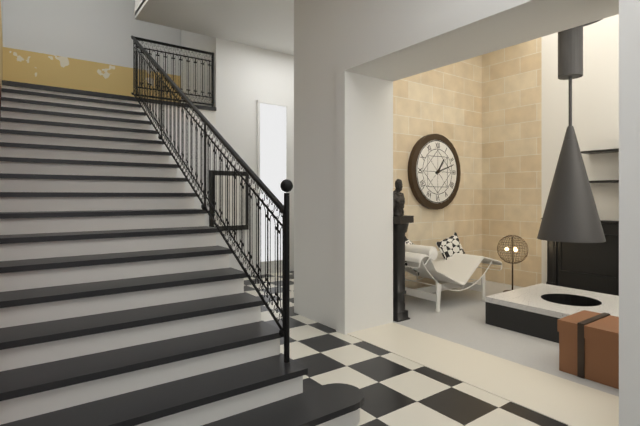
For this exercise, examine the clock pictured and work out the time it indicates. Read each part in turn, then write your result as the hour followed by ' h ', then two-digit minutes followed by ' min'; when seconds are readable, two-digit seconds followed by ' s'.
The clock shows 1 h 12 min
